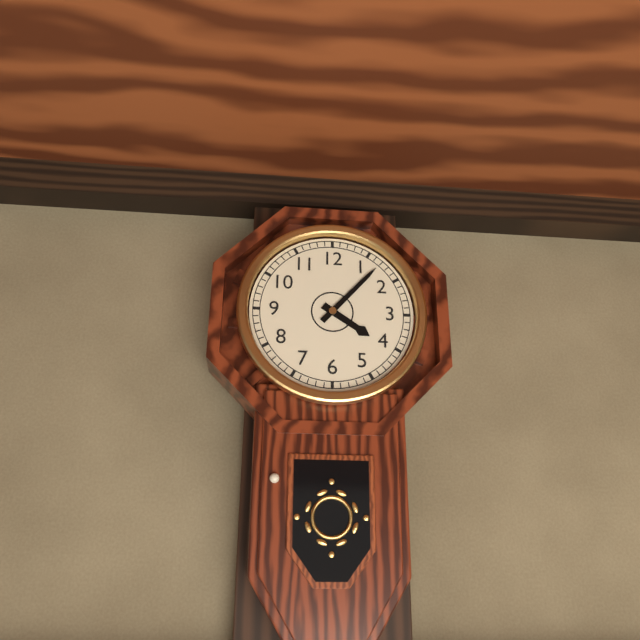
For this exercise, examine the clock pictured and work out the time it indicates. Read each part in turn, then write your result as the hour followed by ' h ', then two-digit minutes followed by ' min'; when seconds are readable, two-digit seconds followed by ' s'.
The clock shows 4 h 07 min
